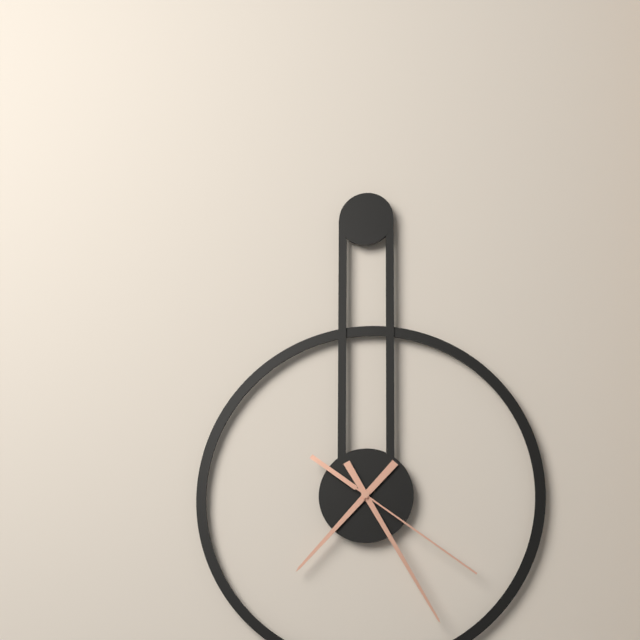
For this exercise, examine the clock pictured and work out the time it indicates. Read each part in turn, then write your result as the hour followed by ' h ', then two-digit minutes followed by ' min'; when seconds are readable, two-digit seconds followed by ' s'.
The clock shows 7 h 25 min 21 s
